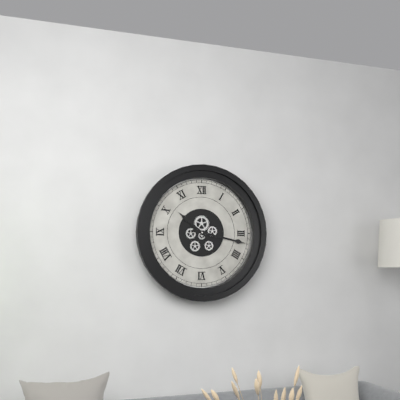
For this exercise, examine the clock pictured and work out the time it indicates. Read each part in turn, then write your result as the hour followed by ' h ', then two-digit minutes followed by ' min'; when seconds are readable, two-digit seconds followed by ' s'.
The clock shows 10 h 17 min
